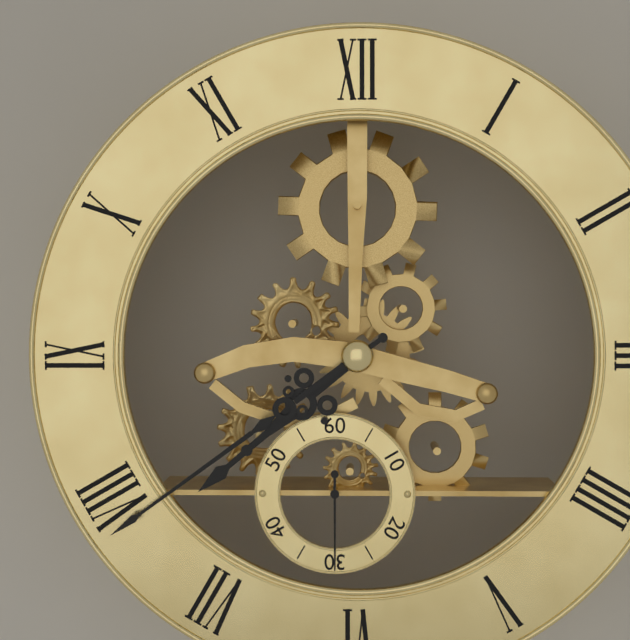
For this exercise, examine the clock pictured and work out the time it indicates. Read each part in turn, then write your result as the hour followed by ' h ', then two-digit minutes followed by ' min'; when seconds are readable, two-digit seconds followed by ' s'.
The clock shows 7 h 39 min 30 s
